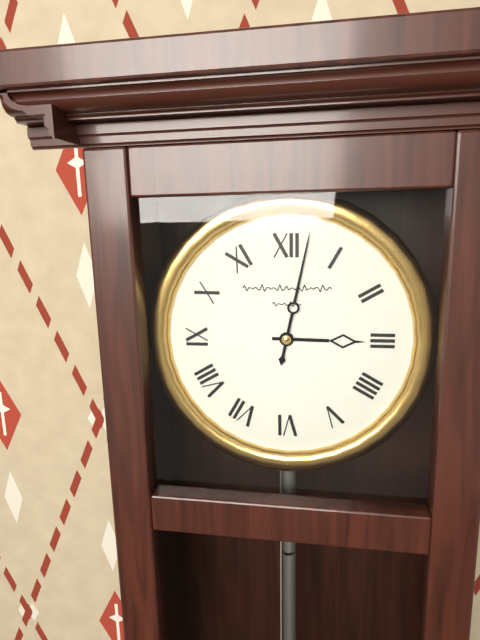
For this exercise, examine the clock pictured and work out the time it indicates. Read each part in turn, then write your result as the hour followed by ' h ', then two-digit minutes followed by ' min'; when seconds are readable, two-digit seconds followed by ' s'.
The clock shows 3 h 02 min
